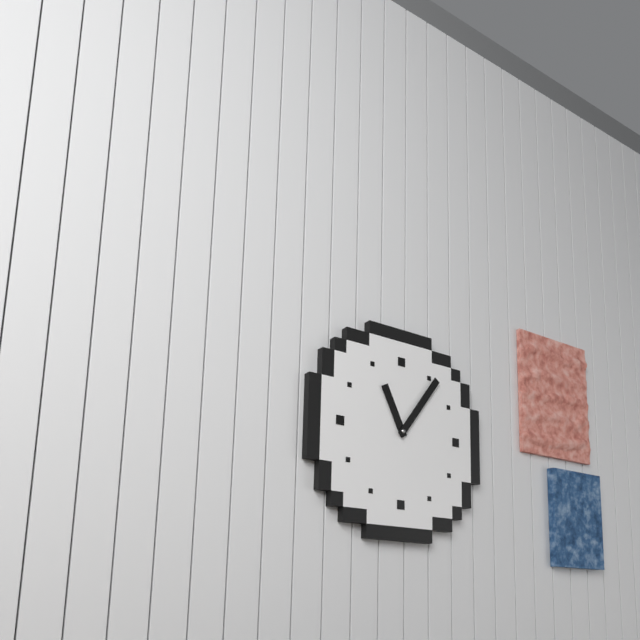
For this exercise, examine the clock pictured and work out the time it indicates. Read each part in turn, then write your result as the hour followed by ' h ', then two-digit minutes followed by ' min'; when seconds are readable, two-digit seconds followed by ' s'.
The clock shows 11 h 06 min
